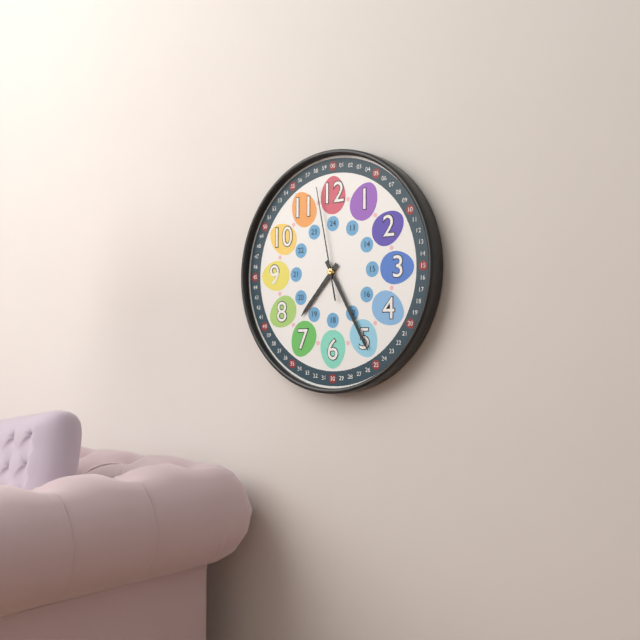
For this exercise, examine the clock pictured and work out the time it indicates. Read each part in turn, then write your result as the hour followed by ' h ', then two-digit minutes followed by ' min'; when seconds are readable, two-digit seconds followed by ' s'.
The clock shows 7 h 25 min 58 s
